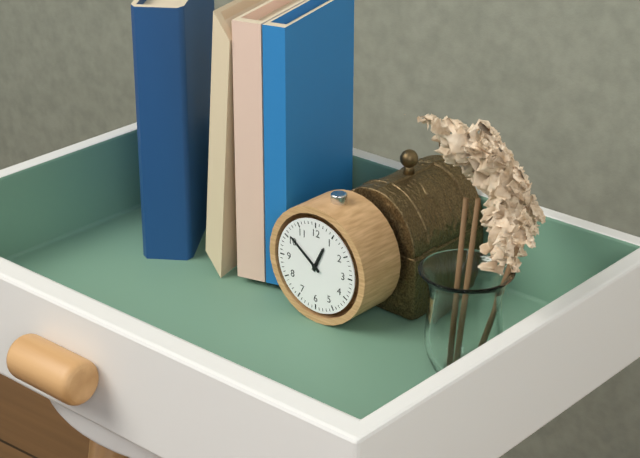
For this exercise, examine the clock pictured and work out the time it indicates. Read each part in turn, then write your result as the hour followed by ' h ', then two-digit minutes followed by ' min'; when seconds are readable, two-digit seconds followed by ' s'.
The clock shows 12 h 51 min
